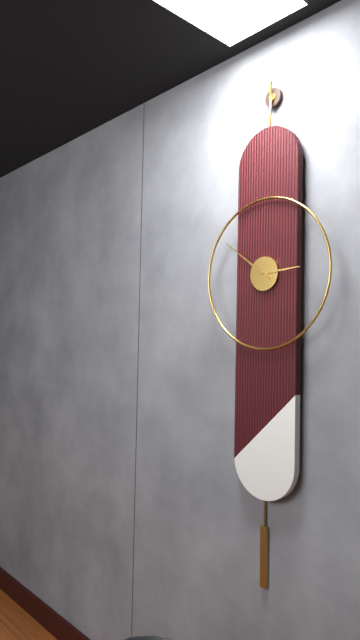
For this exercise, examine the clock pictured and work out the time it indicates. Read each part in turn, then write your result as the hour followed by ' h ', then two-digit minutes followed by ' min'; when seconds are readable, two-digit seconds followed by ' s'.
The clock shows 2 h 51 min
